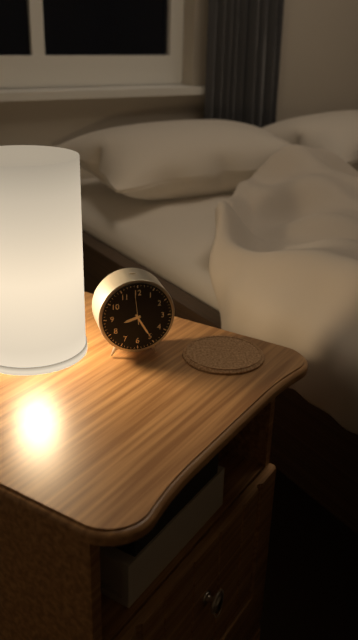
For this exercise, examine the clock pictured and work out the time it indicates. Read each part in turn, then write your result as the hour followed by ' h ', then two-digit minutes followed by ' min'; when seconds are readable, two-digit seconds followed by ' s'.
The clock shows 8 h 25 min
